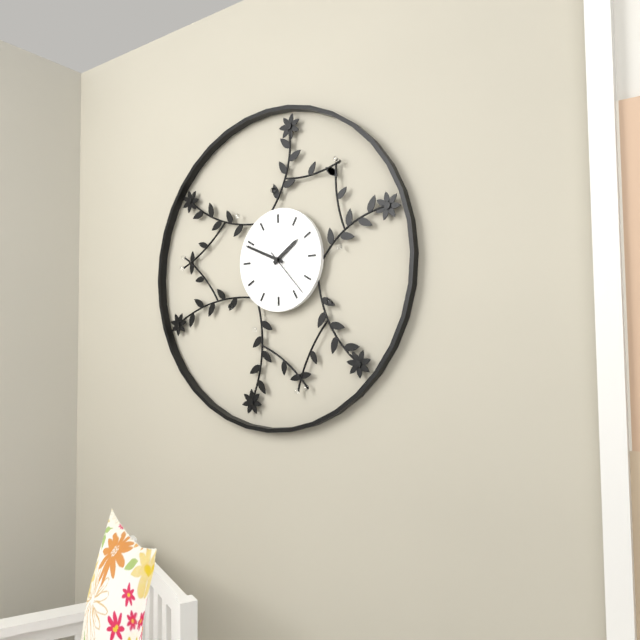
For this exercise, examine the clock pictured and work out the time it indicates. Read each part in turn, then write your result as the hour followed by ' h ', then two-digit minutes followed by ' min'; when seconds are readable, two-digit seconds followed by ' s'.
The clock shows 1 h 49 min 23 s
